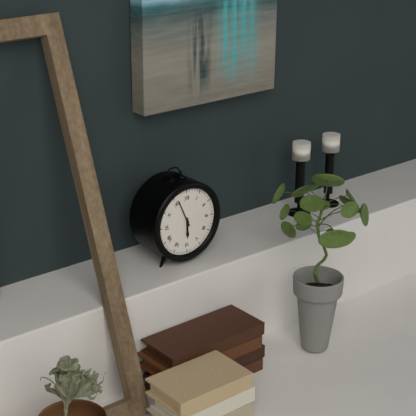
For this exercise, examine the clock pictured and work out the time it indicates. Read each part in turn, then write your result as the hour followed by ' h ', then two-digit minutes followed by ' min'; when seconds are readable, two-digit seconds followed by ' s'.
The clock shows 5 h 56 min
